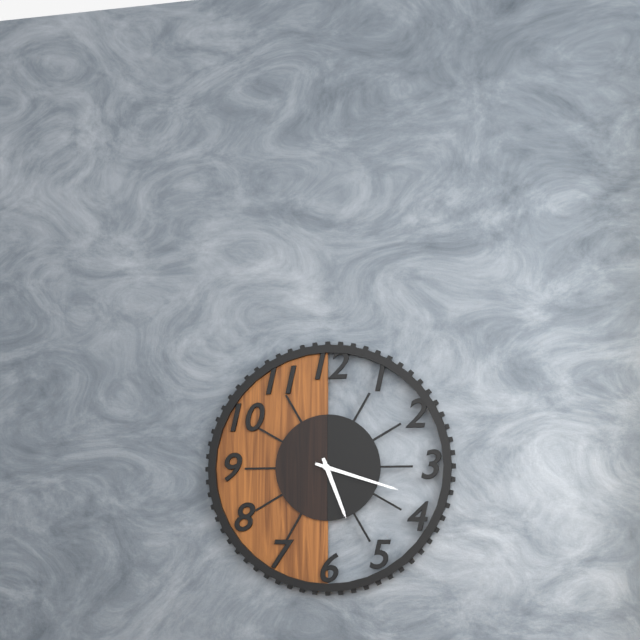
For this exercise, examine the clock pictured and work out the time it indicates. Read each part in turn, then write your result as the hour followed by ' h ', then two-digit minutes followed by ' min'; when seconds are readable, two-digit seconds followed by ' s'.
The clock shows 5 h 18 min
